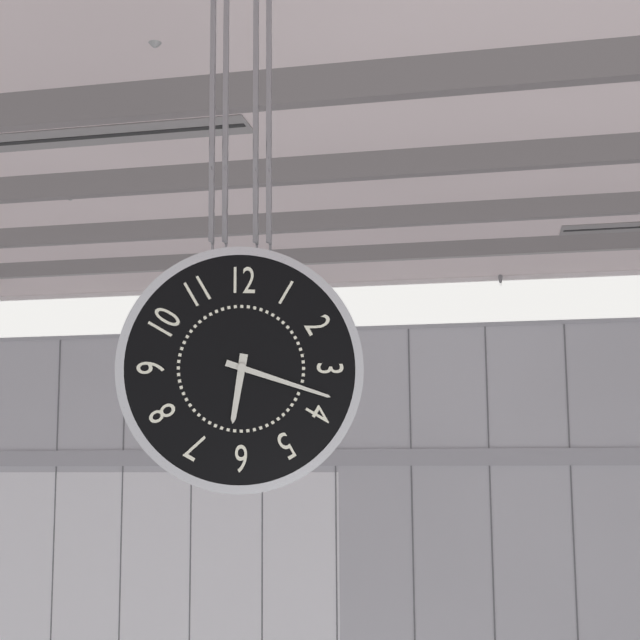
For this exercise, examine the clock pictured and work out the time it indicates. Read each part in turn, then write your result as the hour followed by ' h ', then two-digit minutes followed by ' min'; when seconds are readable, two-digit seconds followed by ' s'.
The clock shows 6 h 18 min
